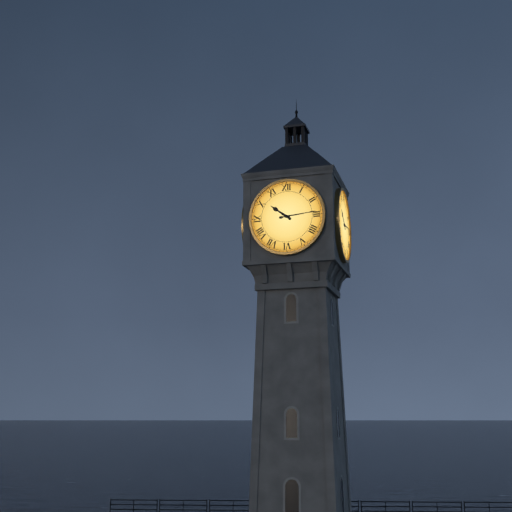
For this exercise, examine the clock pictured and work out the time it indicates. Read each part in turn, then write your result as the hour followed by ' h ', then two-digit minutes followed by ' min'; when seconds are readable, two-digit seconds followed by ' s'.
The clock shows 10 h 14 min
